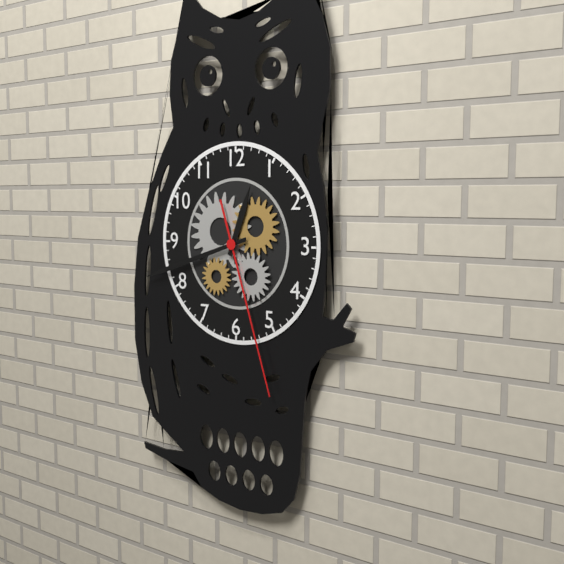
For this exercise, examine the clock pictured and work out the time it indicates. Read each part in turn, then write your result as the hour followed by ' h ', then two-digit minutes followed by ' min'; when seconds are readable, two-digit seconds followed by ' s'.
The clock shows 12 h 42 min 27 s
